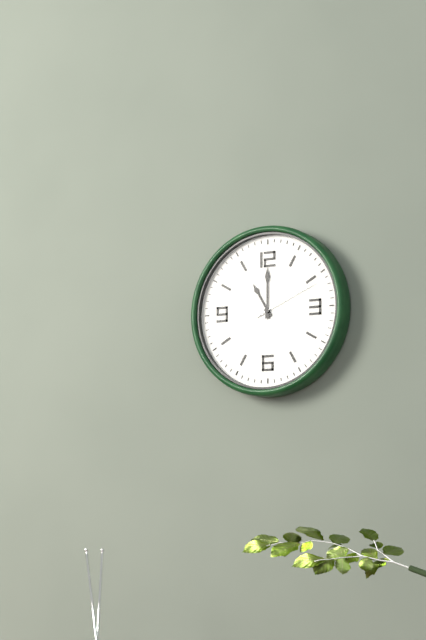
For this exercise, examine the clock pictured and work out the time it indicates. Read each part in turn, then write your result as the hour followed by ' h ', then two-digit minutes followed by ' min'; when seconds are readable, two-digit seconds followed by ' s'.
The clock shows 11 h 00 min 11 s
